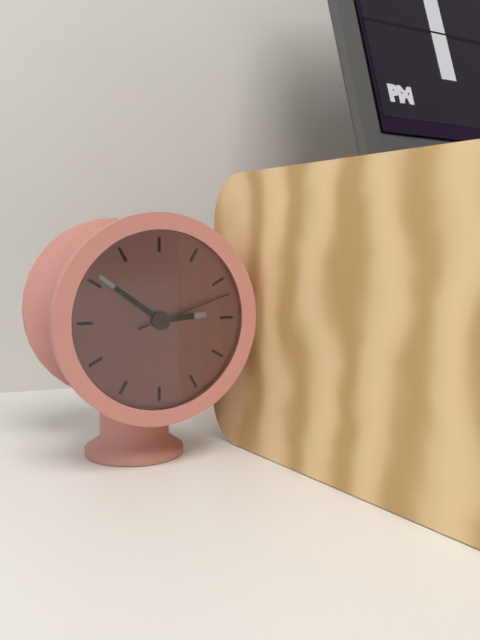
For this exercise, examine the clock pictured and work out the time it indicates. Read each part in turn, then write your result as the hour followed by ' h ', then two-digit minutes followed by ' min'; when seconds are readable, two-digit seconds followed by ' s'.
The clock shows 2 h 51 min 12 s
